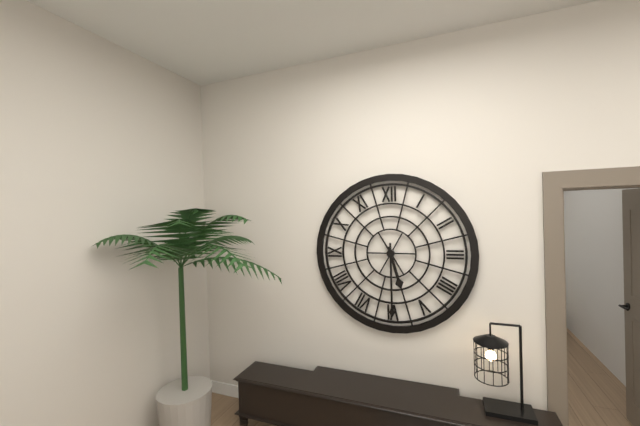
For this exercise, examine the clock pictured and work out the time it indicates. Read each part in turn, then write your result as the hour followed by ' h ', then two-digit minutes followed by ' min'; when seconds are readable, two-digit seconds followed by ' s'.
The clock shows 5 h 30 min
